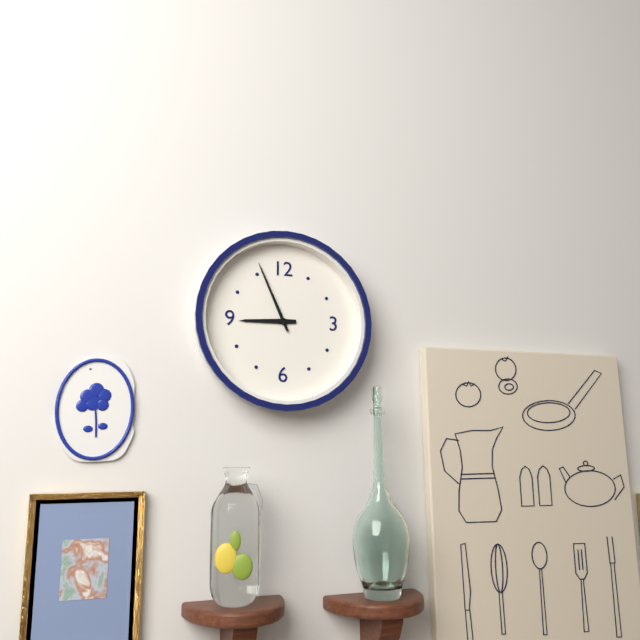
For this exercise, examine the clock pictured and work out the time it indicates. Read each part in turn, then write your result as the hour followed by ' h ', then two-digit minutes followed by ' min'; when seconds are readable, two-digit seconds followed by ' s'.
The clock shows 8 h 56 min
